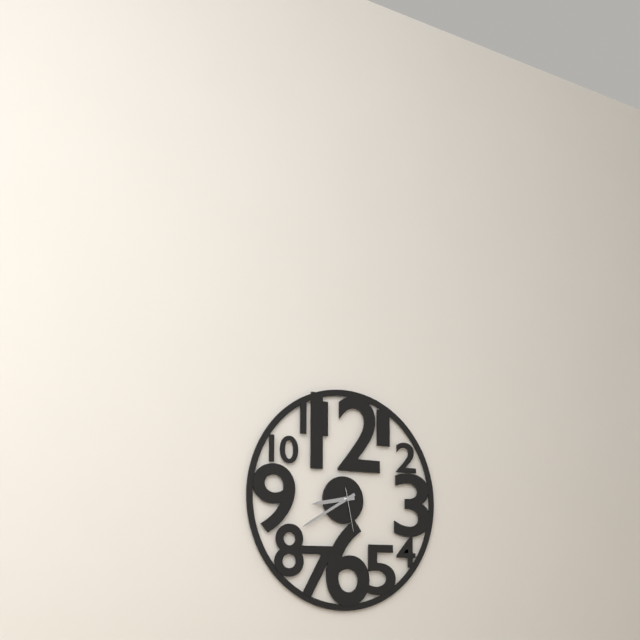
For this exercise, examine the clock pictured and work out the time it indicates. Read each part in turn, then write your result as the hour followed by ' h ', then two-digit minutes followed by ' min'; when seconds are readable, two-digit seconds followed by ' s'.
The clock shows 8 h 40 min
